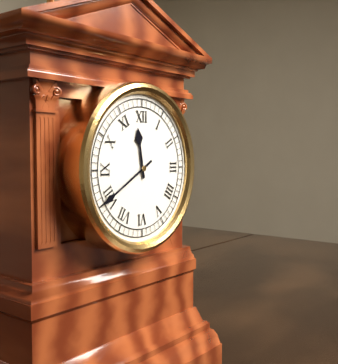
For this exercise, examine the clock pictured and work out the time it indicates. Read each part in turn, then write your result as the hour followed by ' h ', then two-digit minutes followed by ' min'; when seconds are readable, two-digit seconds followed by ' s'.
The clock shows 11 h 40 min
